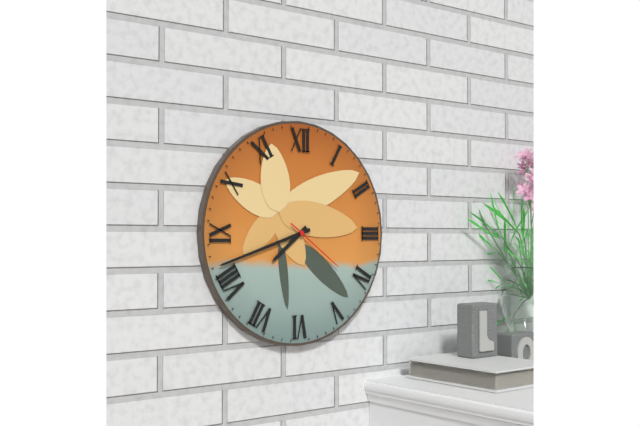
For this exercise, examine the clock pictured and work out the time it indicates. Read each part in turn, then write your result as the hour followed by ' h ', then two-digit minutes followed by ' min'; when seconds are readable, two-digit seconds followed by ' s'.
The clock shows 7 h 42 min 21 s
